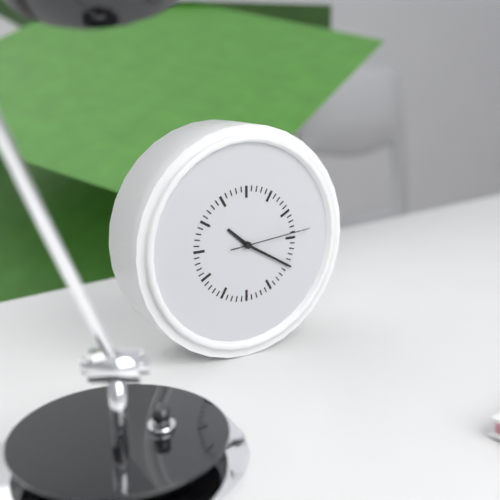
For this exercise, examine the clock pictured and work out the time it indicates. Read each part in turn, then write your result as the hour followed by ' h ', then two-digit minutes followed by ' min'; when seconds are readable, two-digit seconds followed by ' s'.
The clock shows 10 h 20 min 14 s
